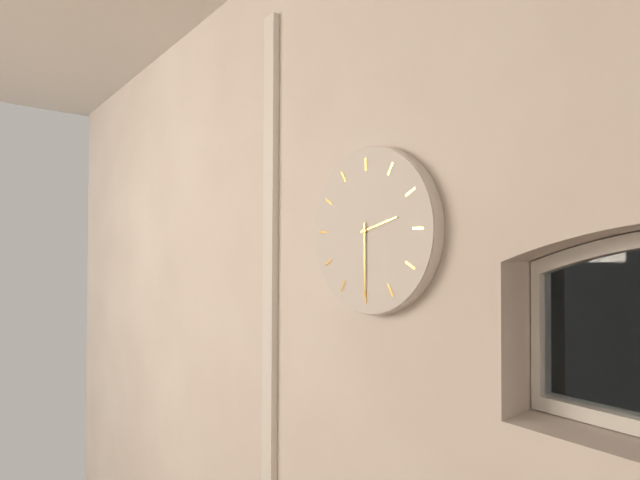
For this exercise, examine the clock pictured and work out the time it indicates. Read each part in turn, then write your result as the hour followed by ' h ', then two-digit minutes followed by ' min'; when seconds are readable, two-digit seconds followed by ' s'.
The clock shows 2 h 30 min
